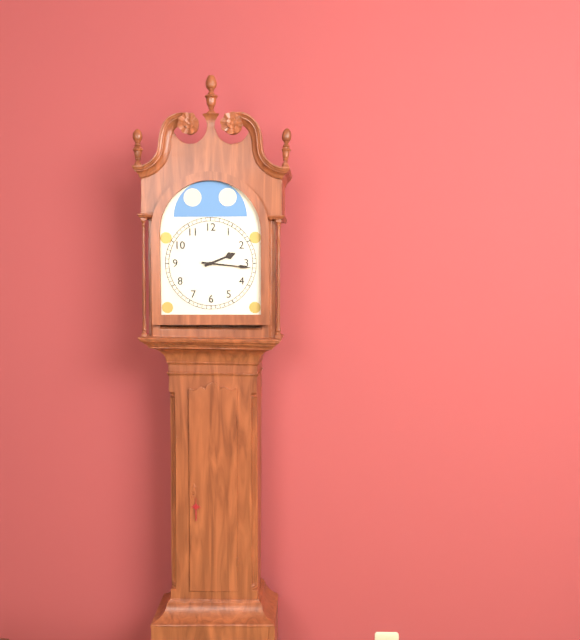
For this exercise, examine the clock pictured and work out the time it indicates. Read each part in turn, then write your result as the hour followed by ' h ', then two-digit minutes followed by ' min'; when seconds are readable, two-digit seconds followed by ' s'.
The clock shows 2 h 16 min
